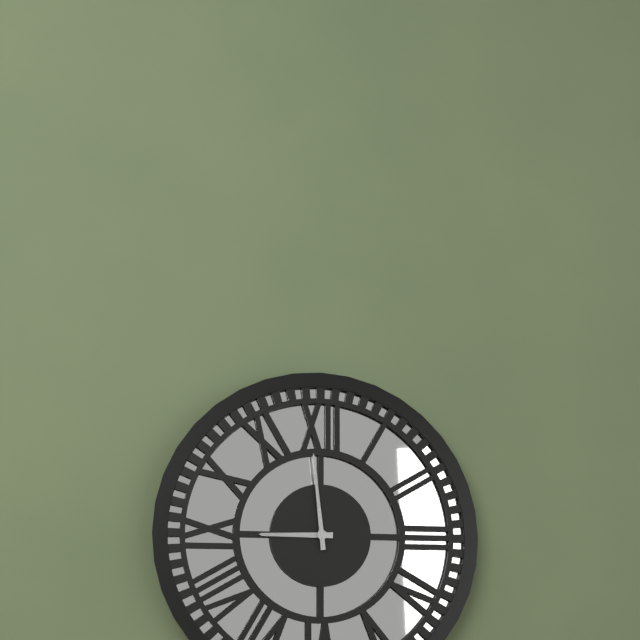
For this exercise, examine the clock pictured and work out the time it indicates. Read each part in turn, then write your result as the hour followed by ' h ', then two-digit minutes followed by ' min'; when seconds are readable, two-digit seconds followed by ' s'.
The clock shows 8 h 59 min
